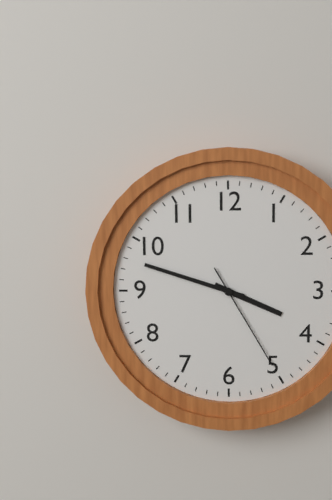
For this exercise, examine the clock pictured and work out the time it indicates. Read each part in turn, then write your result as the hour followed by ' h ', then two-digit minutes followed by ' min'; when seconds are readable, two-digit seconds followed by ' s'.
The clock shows 3 h 48 min 25 s
